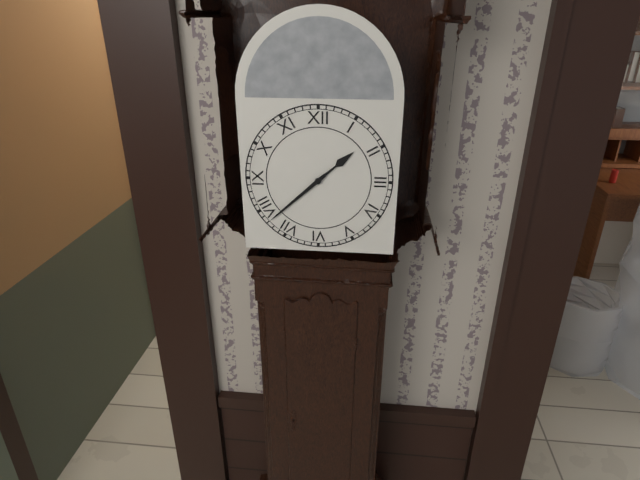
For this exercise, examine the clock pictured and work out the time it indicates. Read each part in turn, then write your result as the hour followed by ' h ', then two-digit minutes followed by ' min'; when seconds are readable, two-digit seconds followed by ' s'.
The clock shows 1 h 38 min
